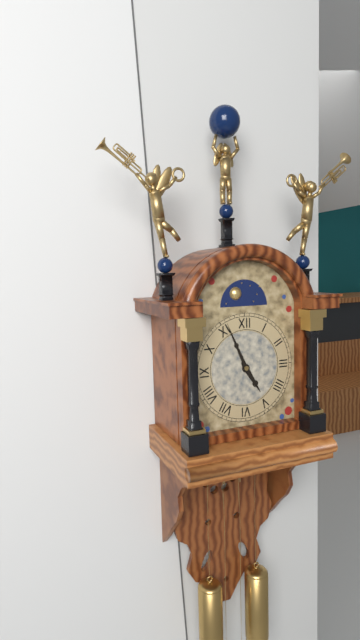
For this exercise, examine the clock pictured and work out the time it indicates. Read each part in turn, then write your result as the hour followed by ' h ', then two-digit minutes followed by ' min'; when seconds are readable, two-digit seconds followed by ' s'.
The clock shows 4 h 56 min
